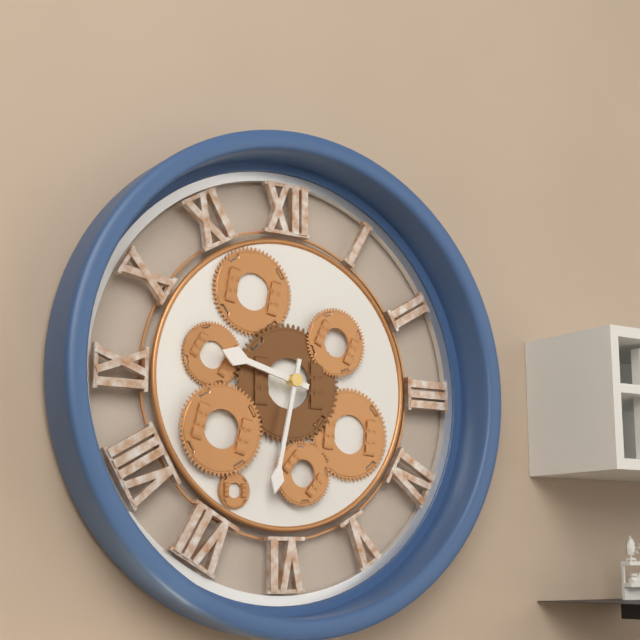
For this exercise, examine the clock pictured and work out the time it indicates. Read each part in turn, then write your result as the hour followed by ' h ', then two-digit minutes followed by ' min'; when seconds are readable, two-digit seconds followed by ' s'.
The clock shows 9 h 32 min
